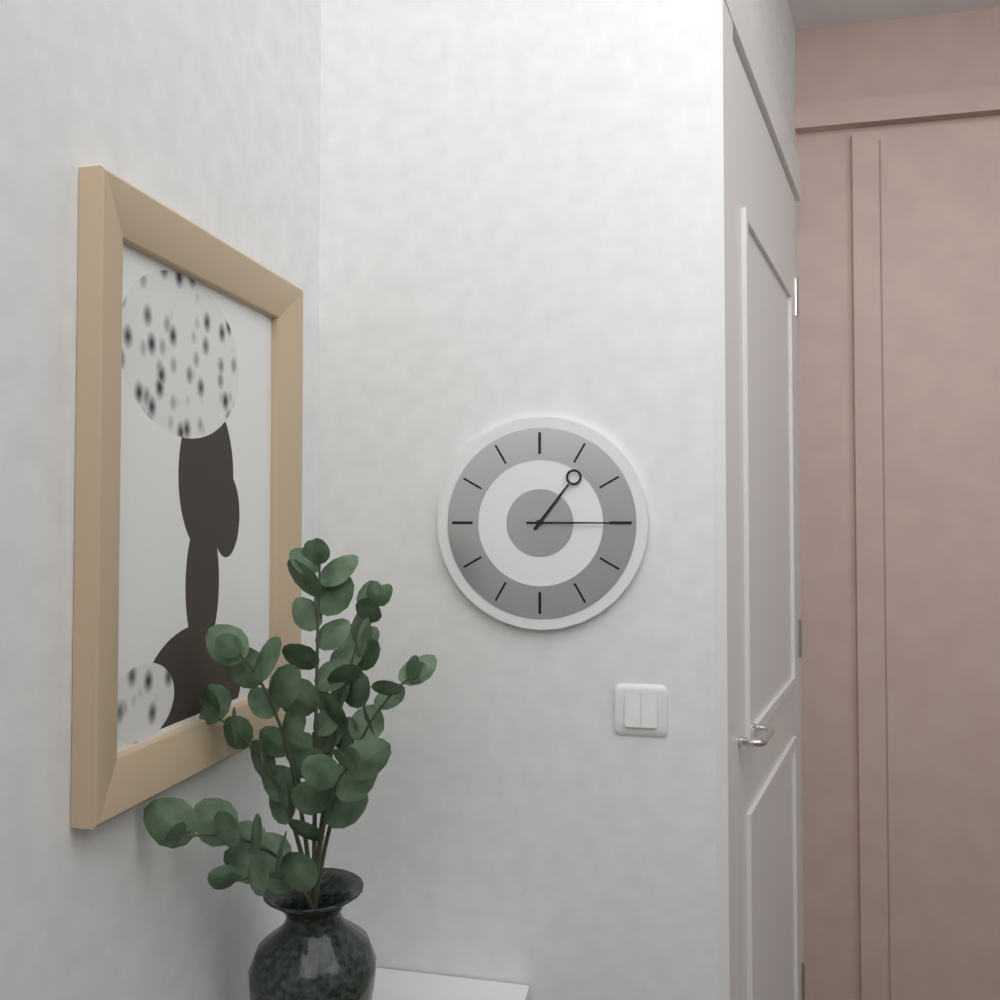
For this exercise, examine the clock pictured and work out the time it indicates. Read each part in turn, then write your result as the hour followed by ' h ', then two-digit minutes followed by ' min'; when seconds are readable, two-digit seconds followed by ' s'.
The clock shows 1 h 15 min
